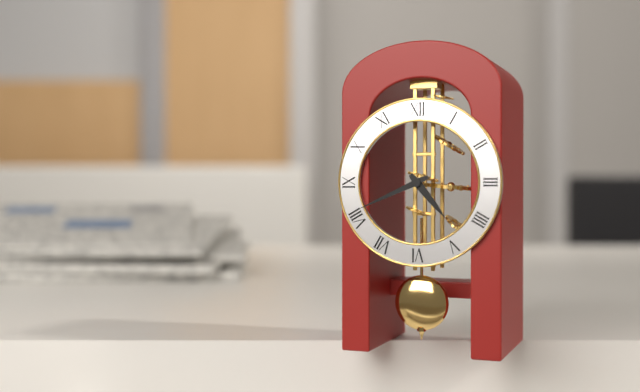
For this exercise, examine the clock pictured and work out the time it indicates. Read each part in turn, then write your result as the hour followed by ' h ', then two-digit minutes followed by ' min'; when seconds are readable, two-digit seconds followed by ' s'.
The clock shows 4 h 41 min
